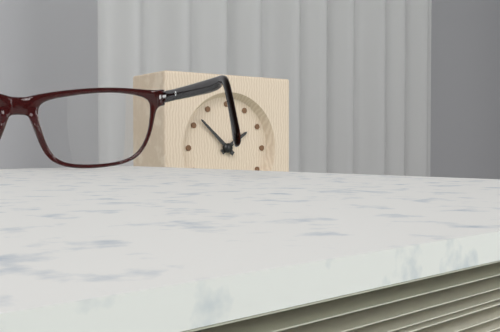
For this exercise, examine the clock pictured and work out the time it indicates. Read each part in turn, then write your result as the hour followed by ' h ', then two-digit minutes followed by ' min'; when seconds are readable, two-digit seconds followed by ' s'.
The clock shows 1 h 52 min
